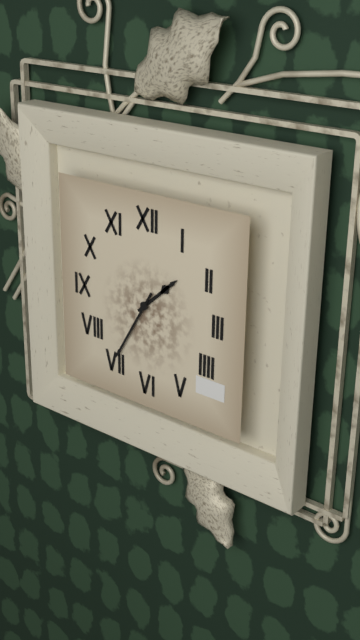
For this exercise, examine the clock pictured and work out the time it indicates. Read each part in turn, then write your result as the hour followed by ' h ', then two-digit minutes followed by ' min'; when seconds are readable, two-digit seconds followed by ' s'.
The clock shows 1 h 35 min
